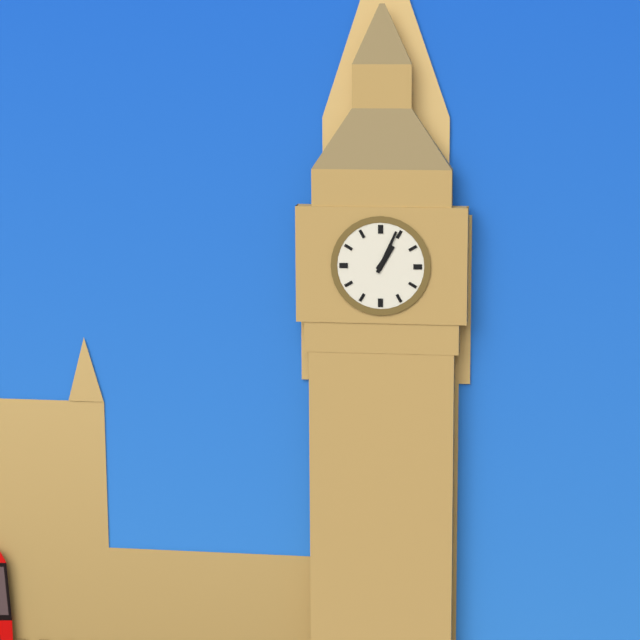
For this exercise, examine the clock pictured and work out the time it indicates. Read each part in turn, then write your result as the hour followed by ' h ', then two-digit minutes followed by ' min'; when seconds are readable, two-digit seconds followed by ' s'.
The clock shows 1 h 04 min
